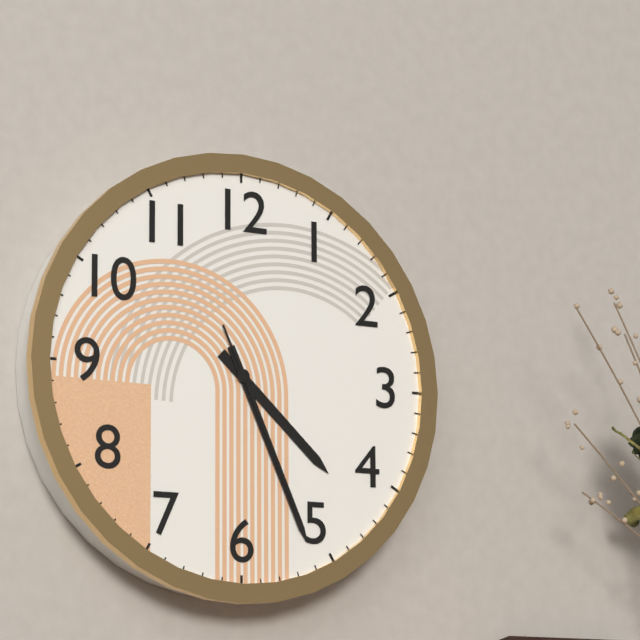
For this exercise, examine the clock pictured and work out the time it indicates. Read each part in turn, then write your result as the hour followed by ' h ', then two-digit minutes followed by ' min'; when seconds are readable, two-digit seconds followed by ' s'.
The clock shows 4 h 26 min 26 s
